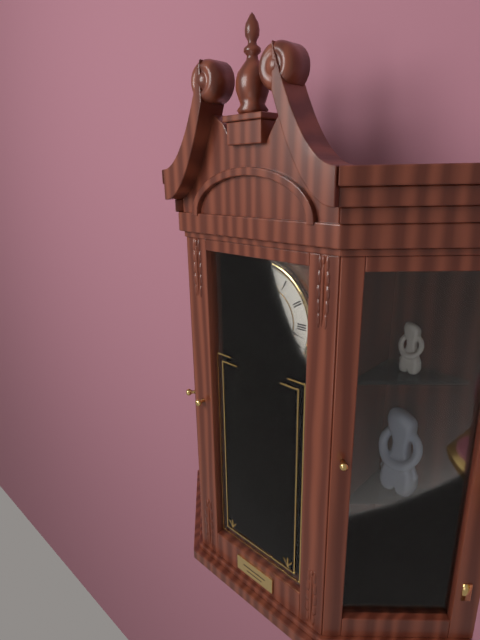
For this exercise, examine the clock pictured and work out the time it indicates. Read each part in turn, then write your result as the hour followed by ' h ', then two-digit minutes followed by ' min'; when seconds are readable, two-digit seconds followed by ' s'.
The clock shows 9 h 17 min
